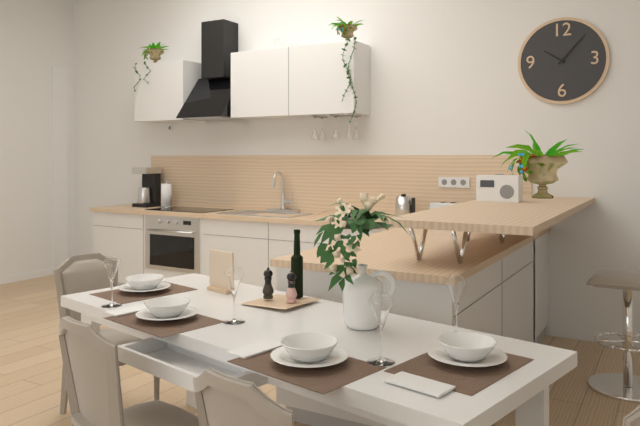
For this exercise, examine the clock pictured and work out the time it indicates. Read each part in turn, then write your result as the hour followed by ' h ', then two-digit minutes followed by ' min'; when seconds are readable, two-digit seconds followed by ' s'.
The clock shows 10 h 07 min
